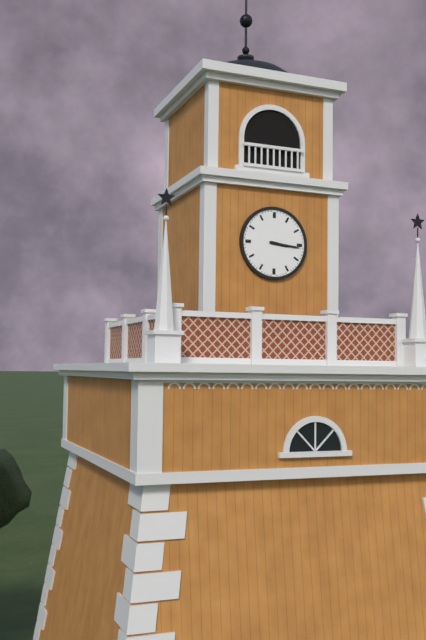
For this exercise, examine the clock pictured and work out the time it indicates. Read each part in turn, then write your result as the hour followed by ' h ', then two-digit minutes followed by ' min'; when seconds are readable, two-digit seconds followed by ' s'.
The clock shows 3 h 16 min
